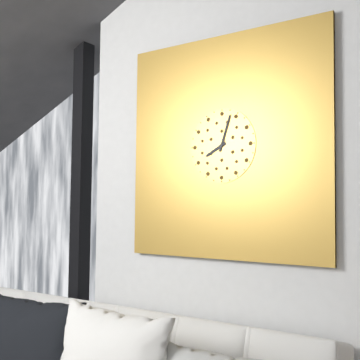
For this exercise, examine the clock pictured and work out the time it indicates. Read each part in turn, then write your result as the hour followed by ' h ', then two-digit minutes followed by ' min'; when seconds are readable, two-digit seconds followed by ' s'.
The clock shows 8 h 03 min
